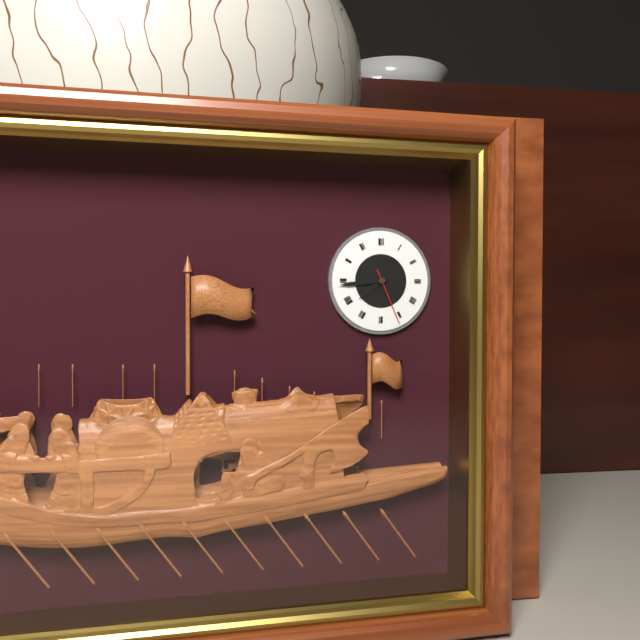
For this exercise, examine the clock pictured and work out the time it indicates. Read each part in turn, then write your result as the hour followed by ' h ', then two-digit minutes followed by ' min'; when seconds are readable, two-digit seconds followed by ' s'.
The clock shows 7 h 44 min 26 s
